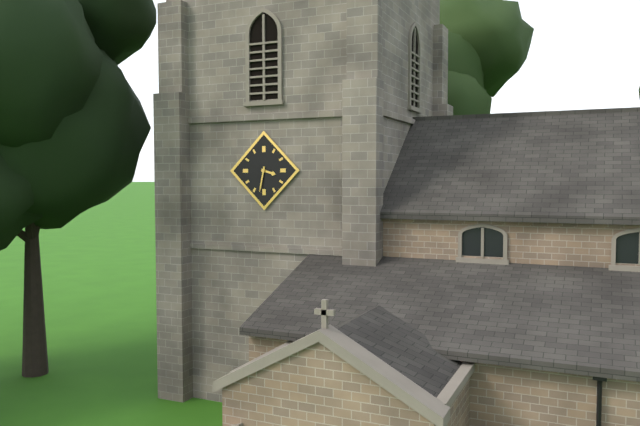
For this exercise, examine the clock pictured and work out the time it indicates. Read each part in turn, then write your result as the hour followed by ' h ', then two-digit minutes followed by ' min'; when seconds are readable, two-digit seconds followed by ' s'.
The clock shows 3 h 32 min
